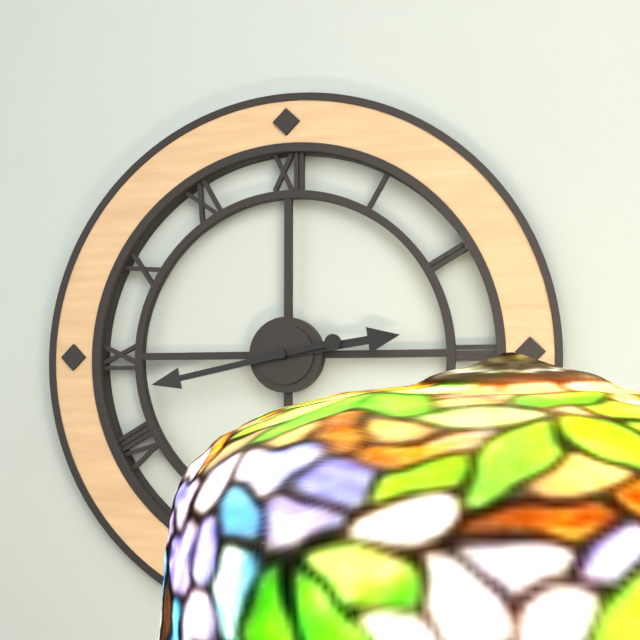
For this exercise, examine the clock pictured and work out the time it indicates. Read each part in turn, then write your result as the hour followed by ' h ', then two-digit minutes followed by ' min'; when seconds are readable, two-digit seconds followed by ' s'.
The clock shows 2 h 43 min
